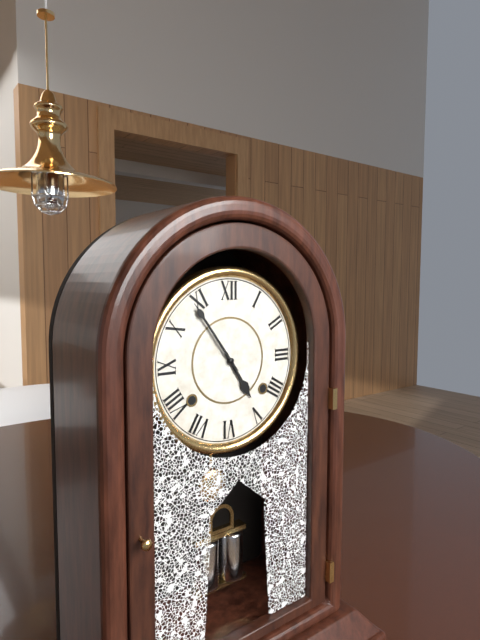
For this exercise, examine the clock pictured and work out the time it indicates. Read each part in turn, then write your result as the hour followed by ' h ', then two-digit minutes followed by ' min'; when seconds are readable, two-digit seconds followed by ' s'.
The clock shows 4 h 54 min
